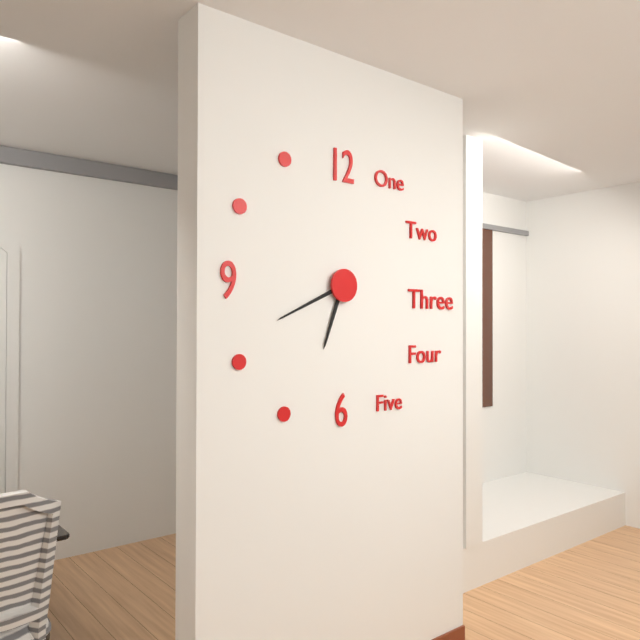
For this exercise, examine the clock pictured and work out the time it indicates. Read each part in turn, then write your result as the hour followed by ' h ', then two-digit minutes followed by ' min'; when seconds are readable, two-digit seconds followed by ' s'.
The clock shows 6 h 41 min
